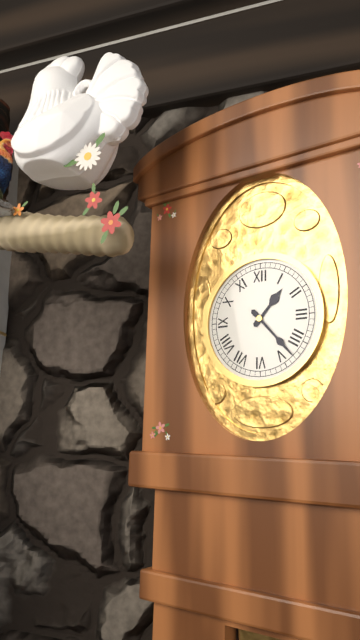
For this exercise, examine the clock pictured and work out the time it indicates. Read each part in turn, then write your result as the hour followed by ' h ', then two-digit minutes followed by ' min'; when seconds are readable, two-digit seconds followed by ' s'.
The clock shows 1 h 23 min
